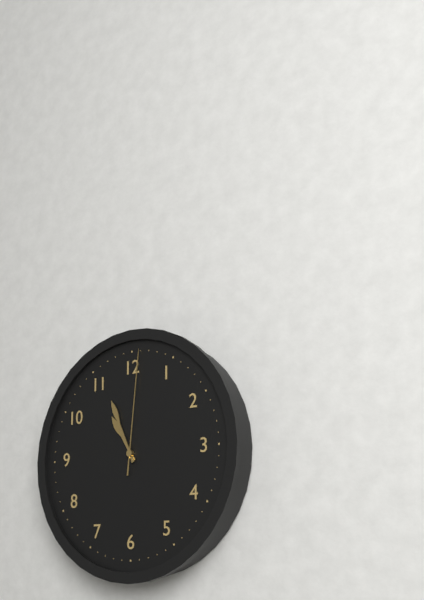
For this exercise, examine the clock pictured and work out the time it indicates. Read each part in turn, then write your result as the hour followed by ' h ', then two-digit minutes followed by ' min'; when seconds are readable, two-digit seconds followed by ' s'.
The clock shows 10 h 56 min 01 s
